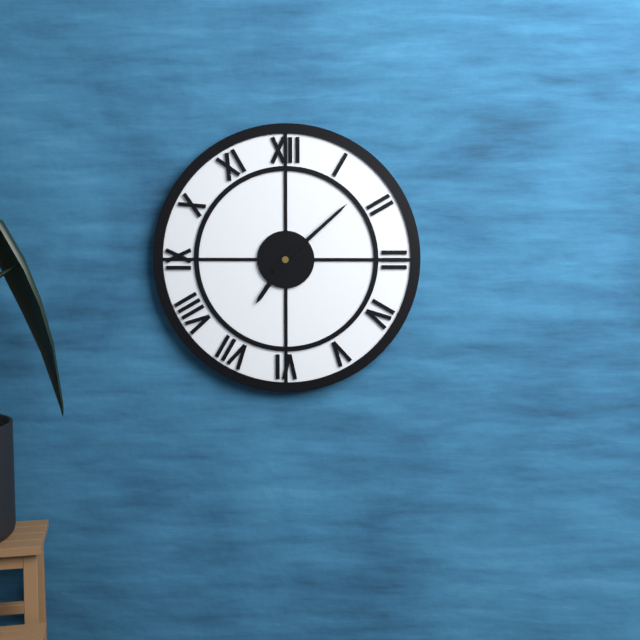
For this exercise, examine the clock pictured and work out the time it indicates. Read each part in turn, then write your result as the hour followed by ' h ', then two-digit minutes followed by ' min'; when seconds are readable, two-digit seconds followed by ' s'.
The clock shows 7 h 08 min
